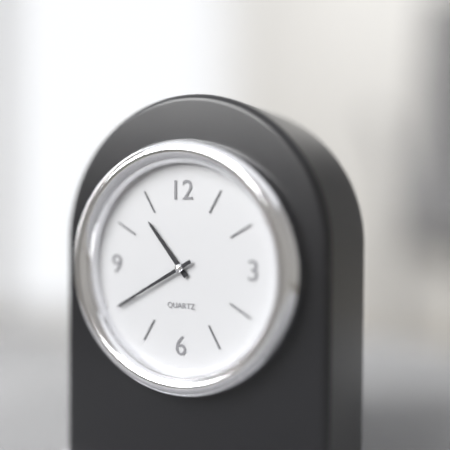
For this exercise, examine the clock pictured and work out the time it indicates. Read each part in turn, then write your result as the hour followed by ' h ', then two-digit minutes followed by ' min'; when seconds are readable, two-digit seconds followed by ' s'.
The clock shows 10 h 40 min
